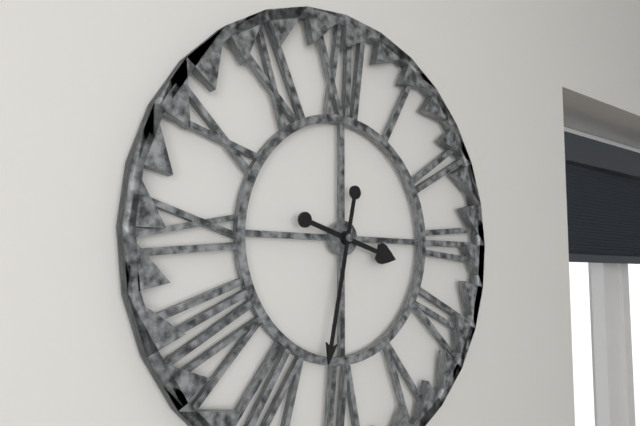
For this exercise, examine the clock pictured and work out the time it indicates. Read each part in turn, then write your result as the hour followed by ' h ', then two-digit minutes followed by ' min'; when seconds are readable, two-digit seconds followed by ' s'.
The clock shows 3 h 32 min
